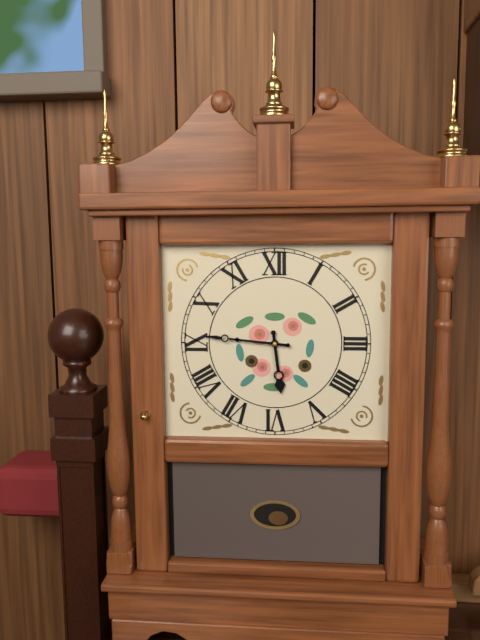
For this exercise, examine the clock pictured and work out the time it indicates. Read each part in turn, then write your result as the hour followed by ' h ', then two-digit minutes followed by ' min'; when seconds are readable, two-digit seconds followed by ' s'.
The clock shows 5 h 46 min
